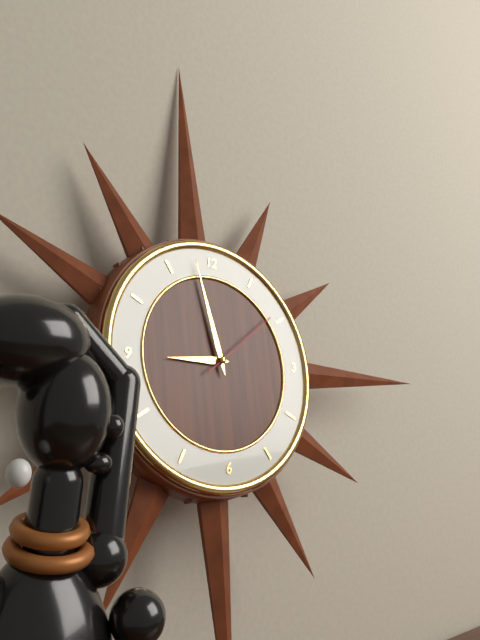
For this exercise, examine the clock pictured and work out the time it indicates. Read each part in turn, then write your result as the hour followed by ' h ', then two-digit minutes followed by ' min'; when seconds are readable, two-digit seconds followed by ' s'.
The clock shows 8 h 58 min 09 s
